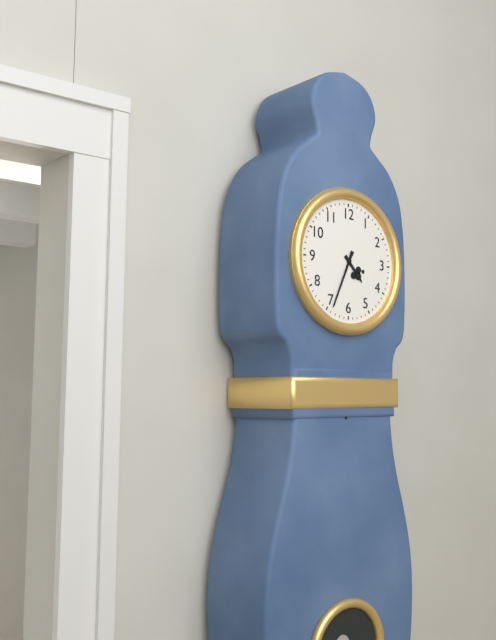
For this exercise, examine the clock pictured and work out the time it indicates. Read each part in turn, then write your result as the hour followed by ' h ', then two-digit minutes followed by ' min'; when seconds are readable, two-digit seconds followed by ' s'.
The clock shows 4 h 34 min
